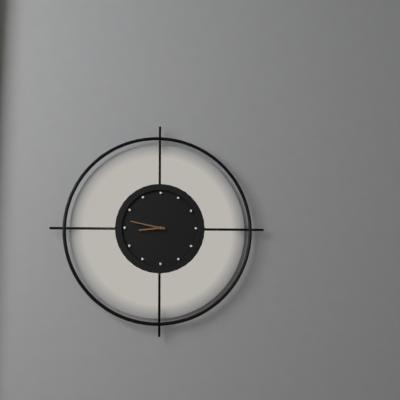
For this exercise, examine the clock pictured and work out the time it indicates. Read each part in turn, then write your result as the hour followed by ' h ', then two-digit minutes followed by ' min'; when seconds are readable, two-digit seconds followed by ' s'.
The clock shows 8 h 47 min
